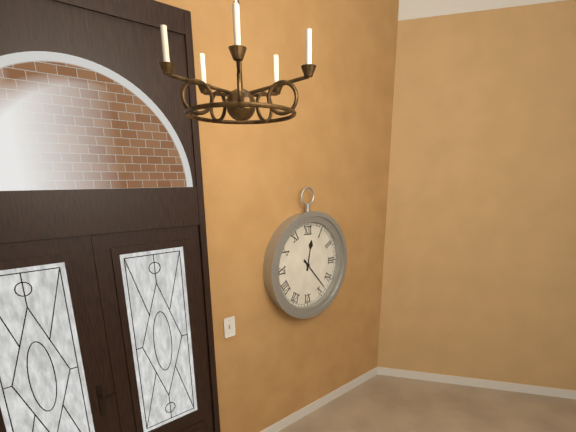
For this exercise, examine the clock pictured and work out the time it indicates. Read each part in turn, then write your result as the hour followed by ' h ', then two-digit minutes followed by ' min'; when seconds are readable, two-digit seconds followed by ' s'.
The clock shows 12 h 23 min
